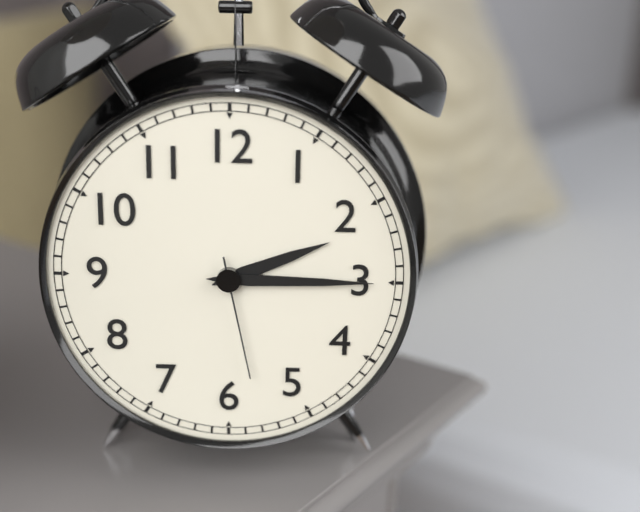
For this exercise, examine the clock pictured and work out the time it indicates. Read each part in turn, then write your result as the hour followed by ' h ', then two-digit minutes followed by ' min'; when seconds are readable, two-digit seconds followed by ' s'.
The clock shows 2 h 15 min 28 s
